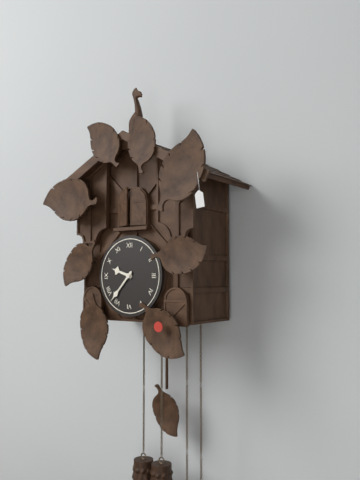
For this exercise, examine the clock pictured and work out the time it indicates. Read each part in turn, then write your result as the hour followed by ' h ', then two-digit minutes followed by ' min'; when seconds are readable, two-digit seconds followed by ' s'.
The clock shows 9 h 37 min
